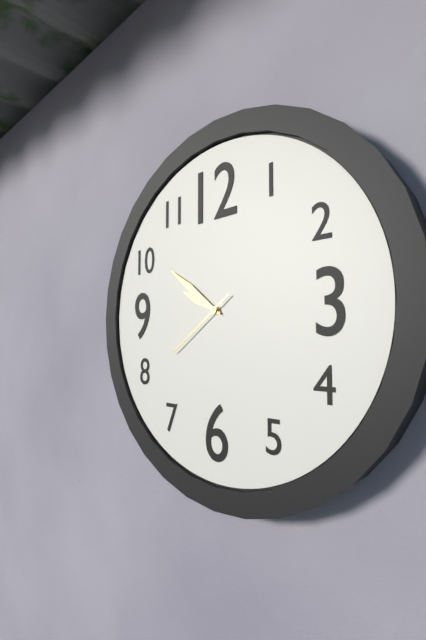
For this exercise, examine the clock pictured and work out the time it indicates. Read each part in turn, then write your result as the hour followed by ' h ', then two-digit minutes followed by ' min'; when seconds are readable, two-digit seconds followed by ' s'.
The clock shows 9 h 51 min 39 s
